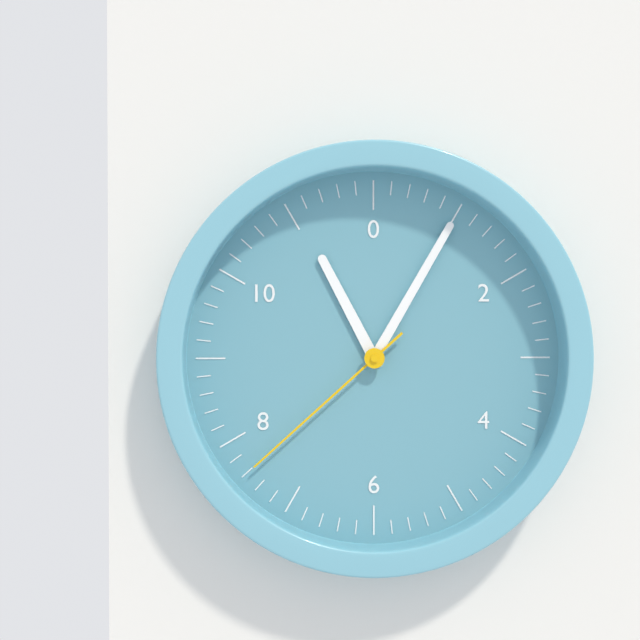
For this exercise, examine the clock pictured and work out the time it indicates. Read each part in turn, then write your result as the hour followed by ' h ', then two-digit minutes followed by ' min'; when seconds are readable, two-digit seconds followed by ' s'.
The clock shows 11 h 05 min 38 s
